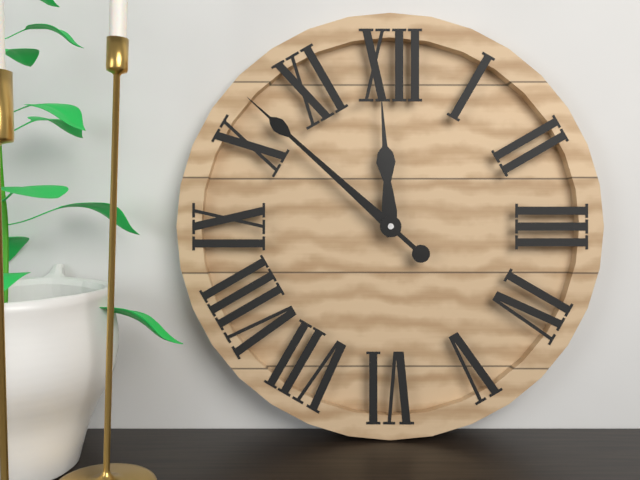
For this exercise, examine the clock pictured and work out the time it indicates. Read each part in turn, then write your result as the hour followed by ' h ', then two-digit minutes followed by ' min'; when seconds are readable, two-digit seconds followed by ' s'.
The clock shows 11 h 52 min
